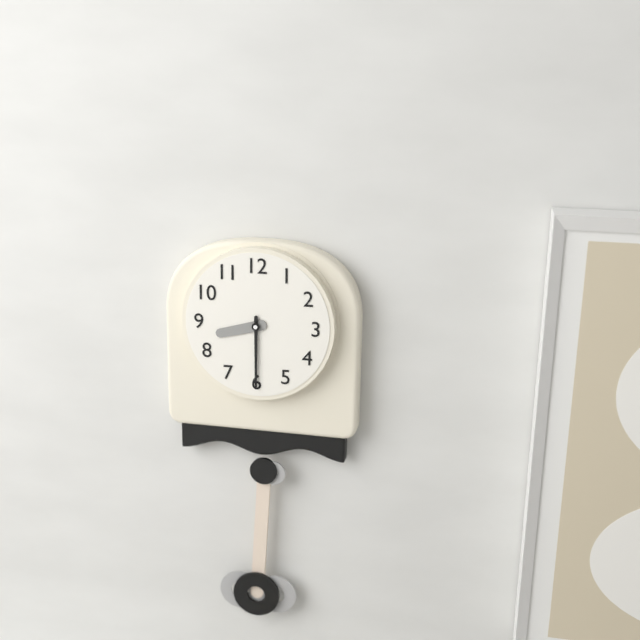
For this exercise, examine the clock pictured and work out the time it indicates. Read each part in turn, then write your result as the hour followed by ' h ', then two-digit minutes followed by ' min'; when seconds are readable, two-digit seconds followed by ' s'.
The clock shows 8 h 30 min
